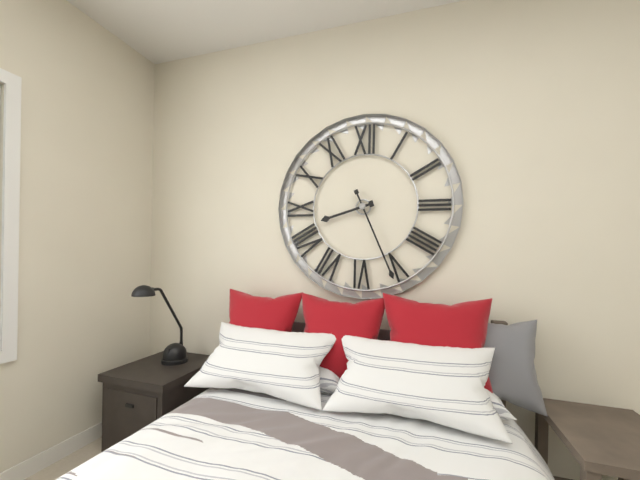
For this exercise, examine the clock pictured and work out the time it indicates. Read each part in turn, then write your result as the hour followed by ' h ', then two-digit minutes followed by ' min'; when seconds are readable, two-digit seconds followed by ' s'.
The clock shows 8 h 26 min
